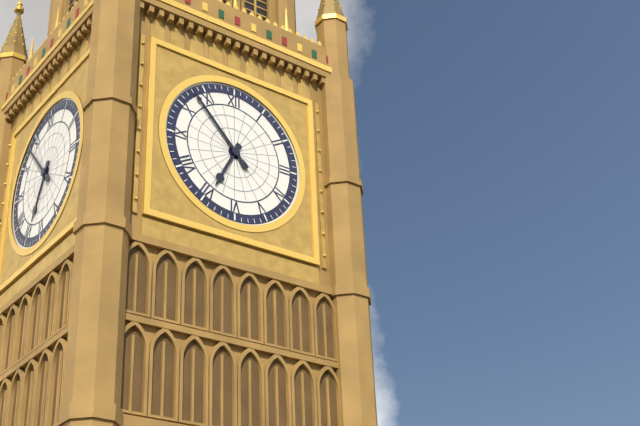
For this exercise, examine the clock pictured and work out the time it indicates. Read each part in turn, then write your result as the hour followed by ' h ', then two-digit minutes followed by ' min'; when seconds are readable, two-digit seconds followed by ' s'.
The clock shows 6 h 53 min
